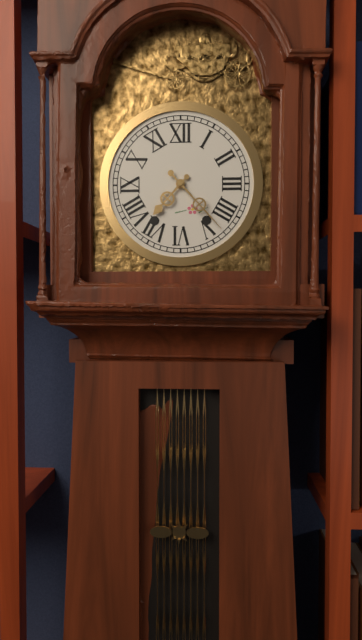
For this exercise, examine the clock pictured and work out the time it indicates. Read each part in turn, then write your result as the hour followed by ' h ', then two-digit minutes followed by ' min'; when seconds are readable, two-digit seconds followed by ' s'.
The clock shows 7 h 23 min
